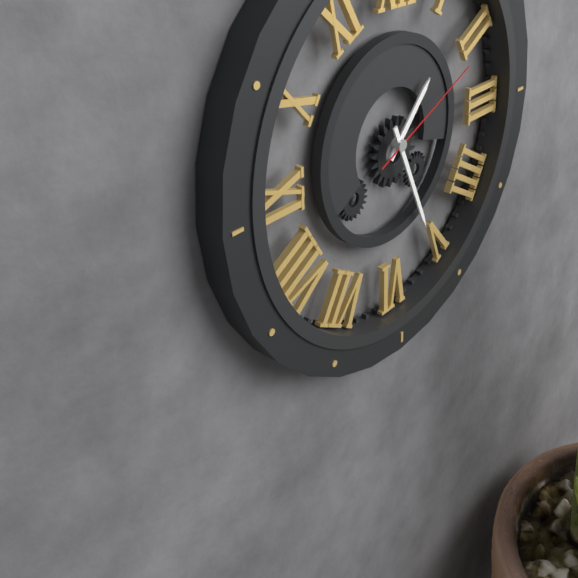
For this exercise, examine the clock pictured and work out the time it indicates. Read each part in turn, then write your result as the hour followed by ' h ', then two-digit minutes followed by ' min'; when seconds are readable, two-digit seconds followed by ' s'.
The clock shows 1 h 26 min 11 s
